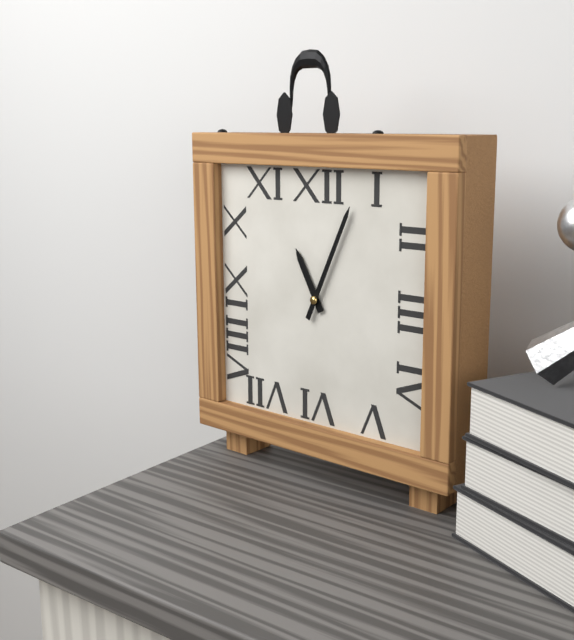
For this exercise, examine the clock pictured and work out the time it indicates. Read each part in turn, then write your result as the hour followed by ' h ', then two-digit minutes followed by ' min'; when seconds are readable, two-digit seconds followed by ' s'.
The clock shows 11 h 04 min
